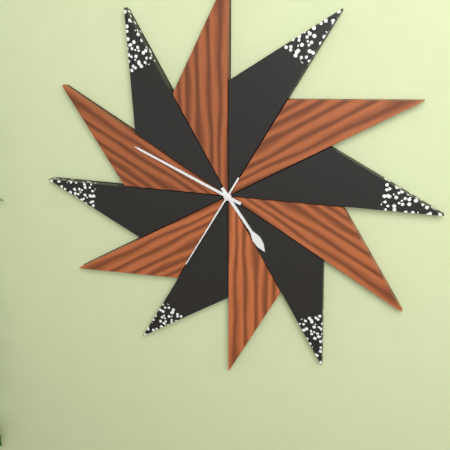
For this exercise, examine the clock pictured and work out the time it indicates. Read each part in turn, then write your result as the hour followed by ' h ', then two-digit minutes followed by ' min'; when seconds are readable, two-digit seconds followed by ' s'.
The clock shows 4 h 49 min 35 s
